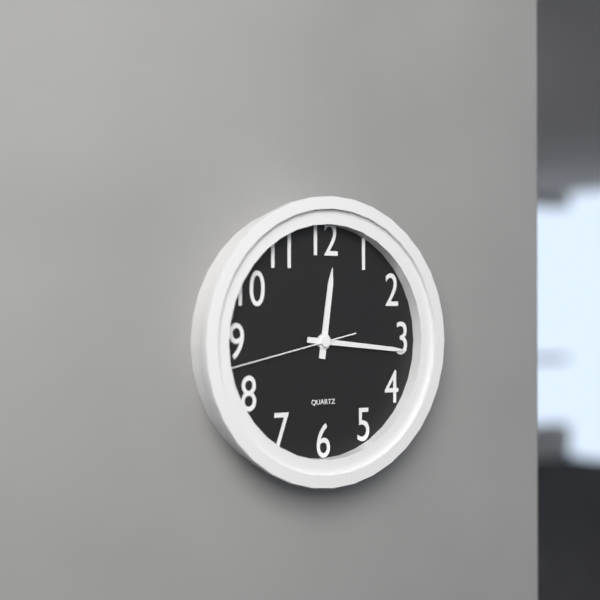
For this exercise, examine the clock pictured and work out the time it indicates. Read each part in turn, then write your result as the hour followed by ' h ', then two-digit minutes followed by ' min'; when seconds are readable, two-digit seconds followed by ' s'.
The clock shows 12 h 16 min 43 s
